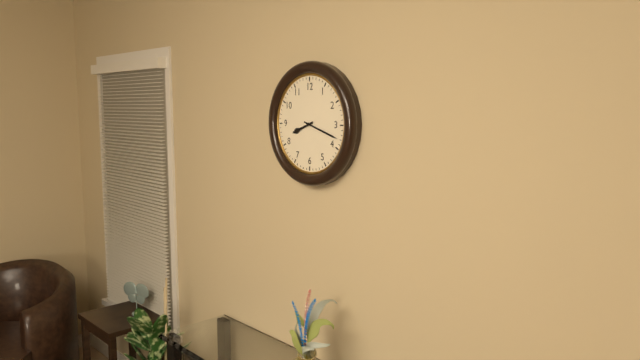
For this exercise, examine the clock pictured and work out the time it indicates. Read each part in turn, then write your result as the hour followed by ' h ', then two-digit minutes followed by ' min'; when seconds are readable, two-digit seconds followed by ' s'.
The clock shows 8 h 18 min
